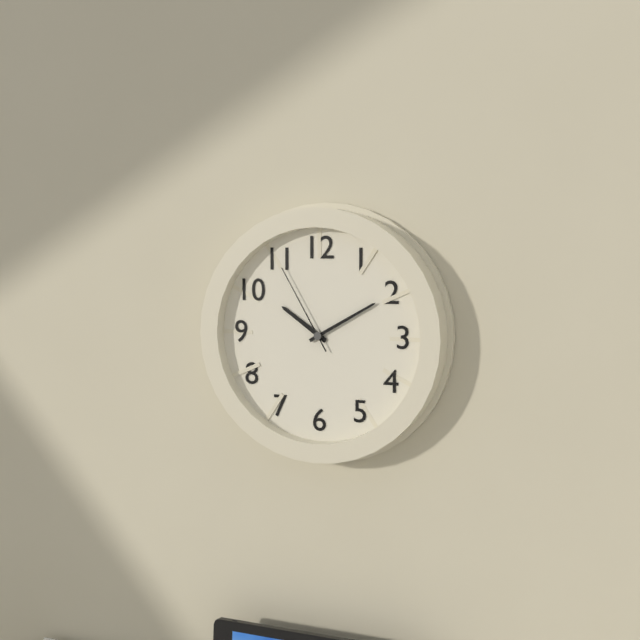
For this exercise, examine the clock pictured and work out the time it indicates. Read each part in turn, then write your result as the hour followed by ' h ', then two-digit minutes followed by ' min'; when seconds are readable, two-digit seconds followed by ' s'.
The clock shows 10 h 10 min 55 s
